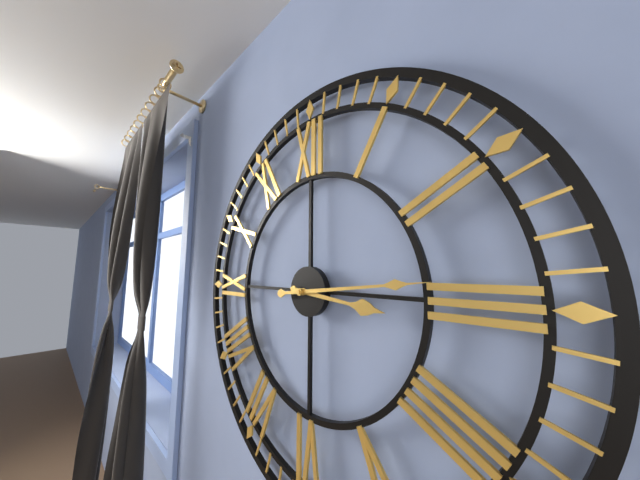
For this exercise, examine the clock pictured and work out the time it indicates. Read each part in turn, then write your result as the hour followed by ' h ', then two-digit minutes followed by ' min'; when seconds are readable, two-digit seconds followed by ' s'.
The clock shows 3 h 14 min
